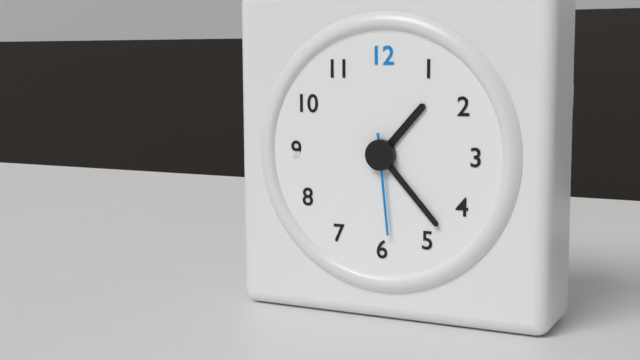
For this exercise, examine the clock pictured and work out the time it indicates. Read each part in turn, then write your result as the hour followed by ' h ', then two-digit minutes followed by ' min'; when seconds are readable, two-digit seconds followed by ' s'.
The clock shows 1 h 23 min 29 s
